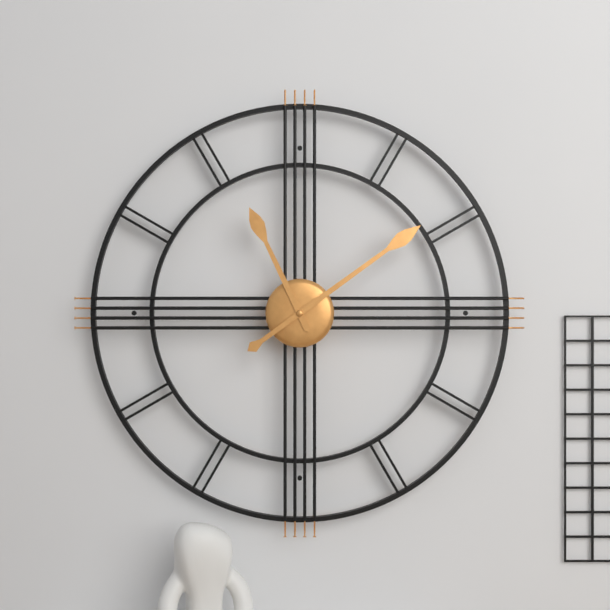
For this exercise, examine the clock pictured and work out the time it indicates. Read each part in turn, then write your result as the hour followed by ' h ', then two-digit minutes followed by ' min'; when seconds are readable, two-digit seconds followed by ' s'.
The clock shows 11 h 09 min
